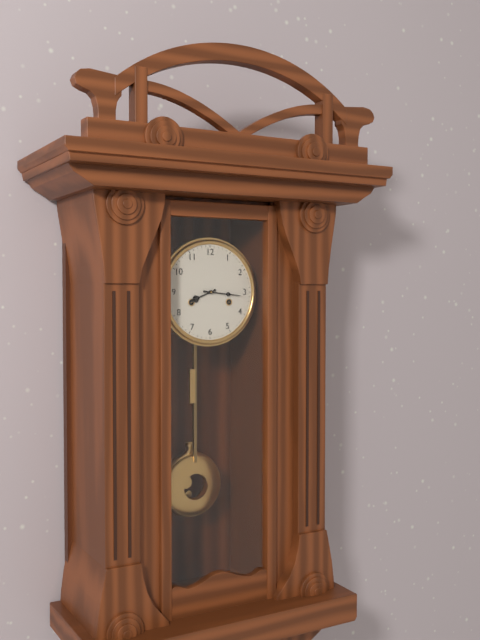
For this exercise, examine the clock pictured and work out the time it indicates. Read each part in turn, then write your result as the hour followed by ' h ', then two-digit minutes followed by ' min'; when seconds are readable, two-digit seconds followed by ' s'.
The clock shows 8 h 16 min
